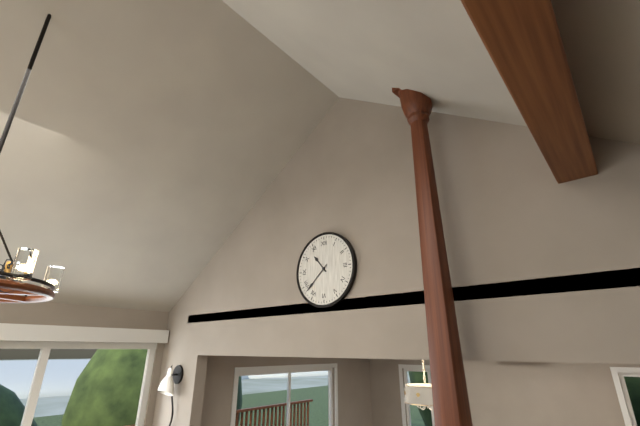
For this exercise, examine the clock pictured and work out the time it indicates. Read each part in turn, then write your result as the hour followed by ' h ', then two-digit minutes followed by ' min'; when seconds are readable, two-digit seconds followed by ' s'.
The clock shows 10 h 38 min
